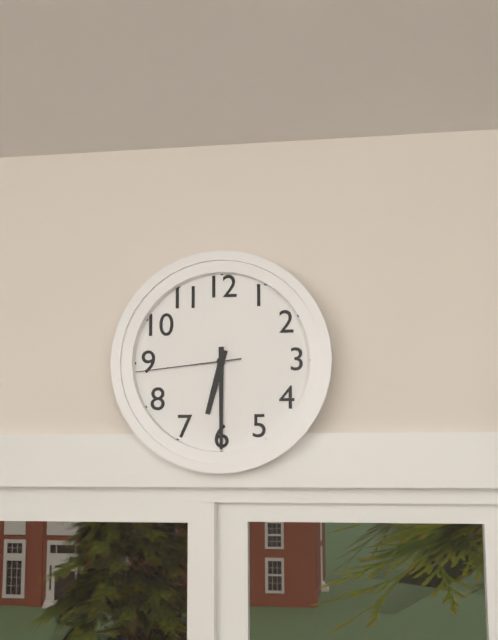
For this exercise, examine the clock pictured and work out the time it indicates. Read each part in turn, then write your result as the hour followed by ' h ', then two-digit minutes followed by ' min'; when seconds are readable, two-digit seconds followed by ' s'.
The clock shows 6 h 30 min 44 s
